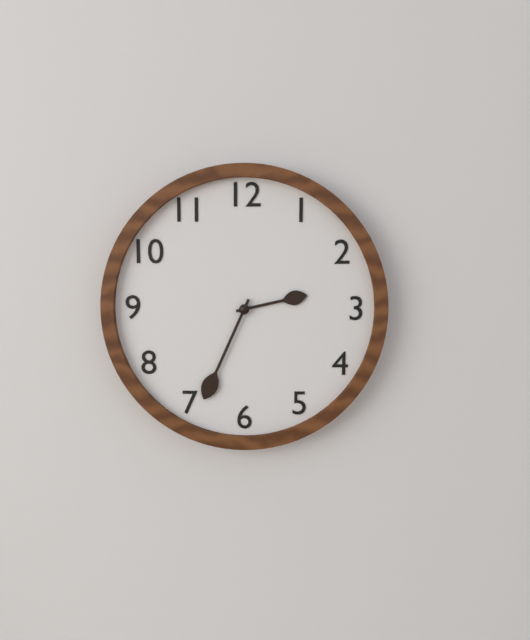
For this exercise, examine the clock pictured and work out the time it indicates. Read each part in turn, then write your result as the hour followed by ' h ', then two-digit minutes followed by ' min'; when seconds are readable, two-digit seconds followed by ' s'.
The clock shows 2 h 34 min
